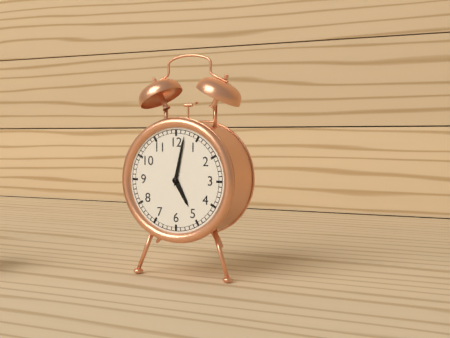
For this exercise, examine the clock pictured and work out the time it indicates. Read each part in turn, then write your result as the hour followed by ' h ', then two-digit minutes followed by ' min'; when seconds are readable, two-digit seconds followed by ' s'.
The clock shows 5 h 02 min
